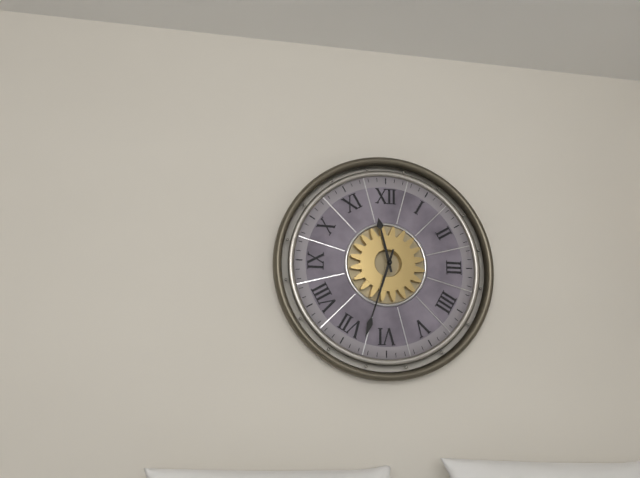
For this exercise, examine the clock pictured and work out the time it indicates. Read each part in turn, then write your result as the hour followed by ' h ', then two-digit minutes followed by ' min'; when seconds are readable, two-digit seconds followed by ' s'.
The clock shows 11 h 33 min
